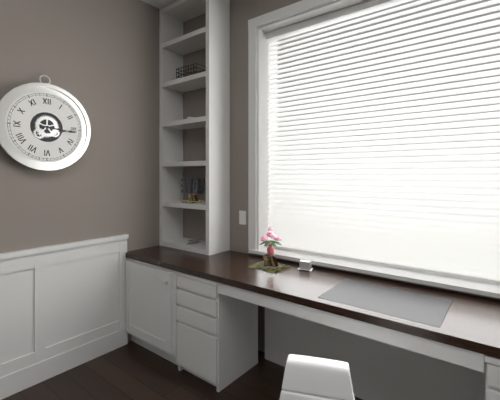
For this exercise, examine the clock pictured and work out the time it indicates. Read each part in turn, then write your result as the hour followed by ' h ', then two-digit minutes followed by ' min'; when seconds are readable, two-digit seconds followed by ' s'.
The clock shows 3 h 16 min
